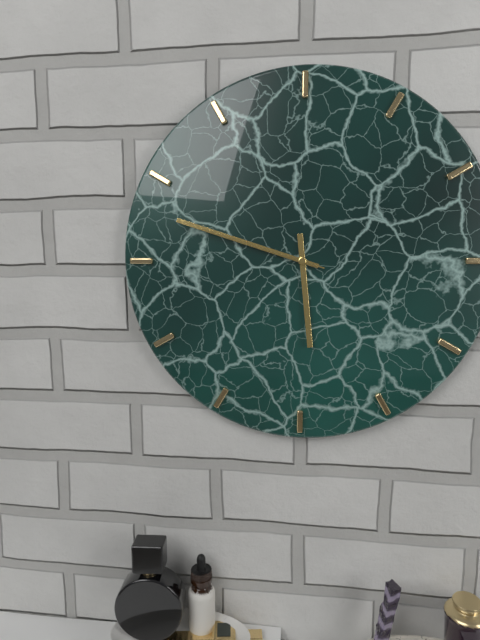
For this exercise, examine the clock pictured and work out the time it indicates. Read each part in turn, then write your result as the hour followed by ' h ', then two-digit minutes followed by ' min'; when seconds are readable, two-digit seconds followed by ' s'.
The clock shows 5 h 48 min 48 s
